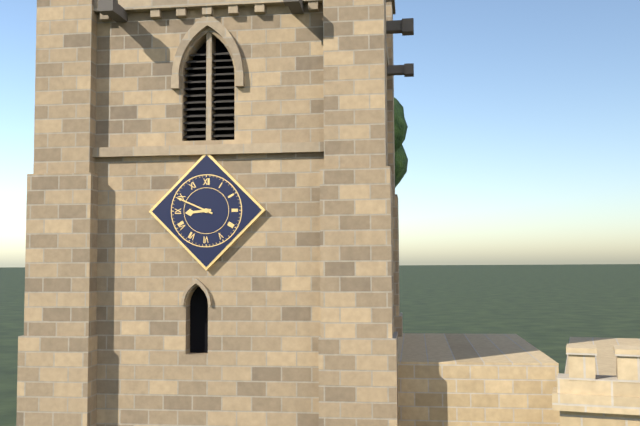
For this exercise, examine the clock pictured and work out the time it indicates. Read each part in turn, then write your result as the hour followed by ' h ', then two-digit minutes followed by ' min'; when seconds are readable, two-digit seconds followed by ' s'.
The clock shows 8 h 49 min
